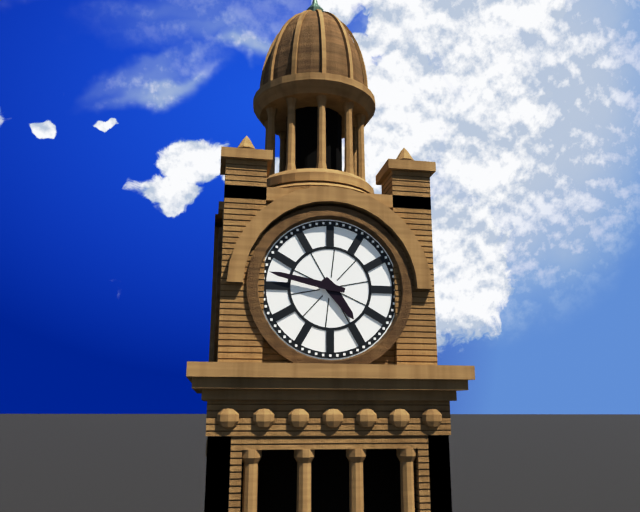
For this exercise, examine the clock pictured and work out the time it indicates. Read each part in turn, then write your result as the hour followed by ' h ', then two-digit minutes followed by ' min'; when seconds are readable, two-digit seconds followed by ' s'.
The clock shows 4 h 47 min
